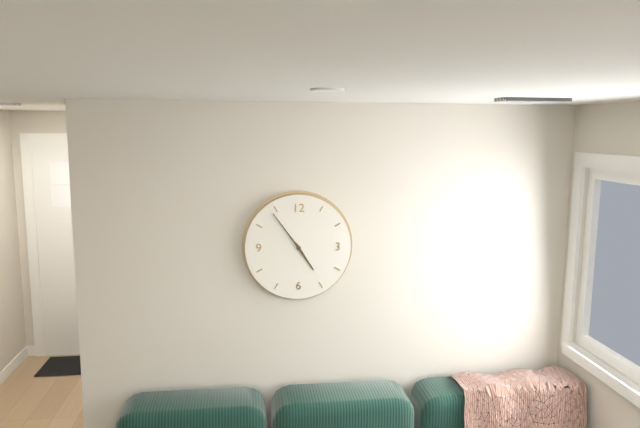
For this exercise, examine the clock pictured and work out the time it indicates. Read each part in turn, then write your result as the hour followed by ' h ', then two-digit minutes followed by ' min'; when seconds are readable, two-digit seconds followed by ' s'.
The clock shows 4 h 54 min
